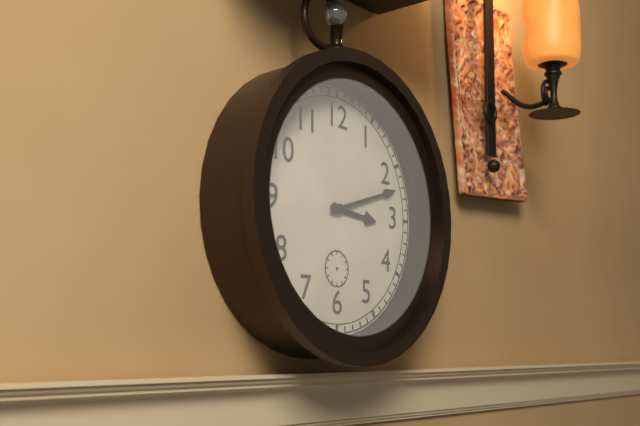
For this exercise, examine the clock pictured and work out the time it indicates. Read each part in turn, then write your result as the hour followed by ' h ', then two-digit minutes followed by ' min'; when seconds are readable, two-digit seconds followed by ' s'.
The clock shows 3 h 12 min
